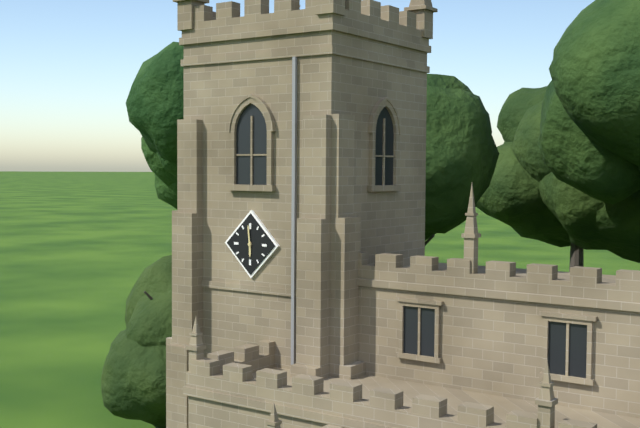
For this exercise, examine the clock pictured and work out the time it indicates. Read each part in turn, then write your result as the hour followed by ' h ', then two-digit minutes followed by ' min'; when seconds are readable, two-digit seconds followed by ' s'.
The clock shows 5 h 59 min
